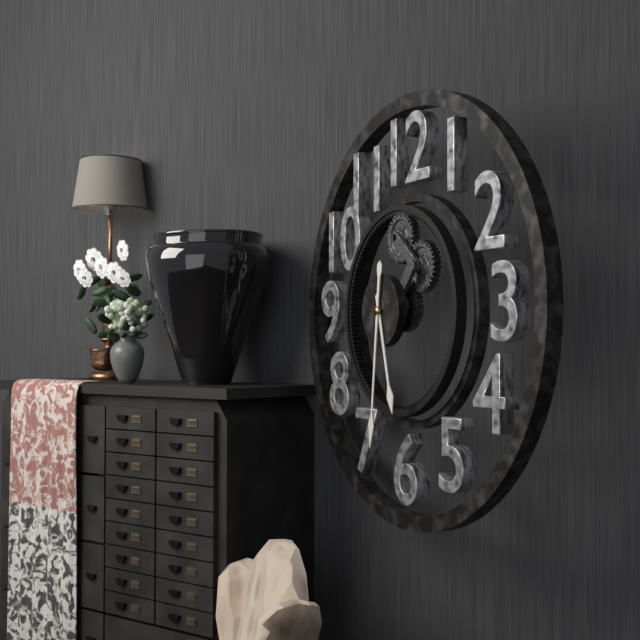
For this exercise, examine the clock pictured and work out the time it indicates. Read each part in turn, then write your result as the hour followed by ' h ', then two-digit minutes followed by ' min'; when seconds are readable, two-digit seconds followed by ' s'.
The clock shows 5 h 31 min
